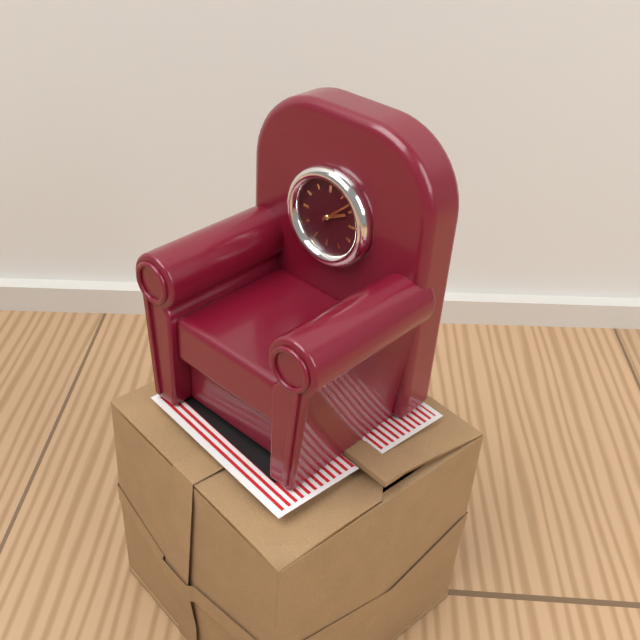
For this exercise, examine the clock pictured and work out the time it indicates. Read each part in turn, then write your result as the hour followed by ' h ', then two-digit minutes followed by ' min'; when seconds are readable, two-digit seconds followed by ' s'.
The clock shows 2 h 08 min
